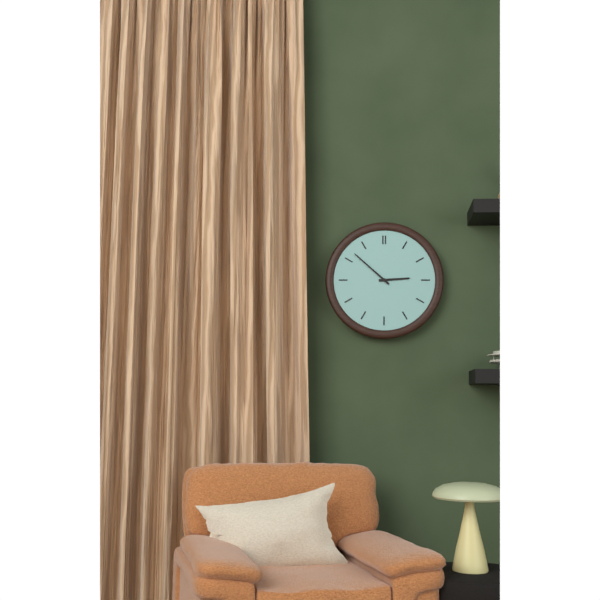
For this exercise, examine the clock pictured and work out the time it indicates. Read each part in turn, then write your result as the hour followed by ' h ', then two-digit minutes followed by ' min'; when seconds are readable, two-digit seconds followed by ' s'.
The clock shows 2 h 52 min
